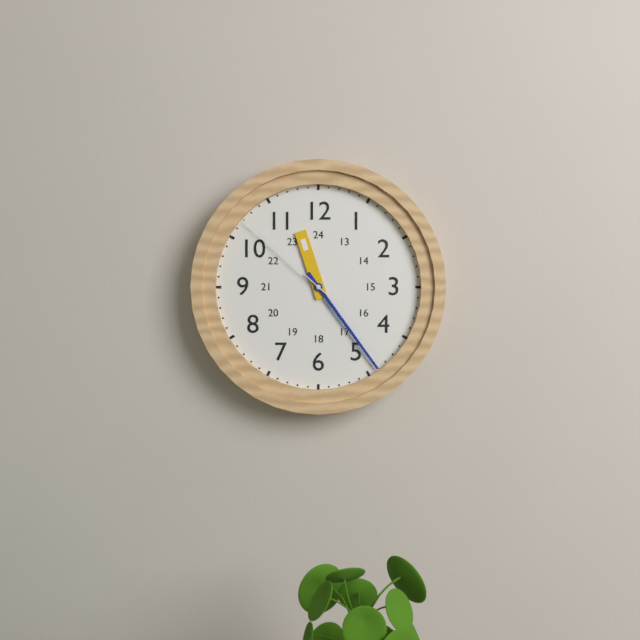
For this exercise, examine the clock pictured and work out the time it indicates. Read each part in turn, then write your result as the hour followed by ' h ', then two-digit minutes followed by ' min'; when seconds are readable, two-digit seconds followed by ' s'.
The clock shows 11 h 24 min 52 s
